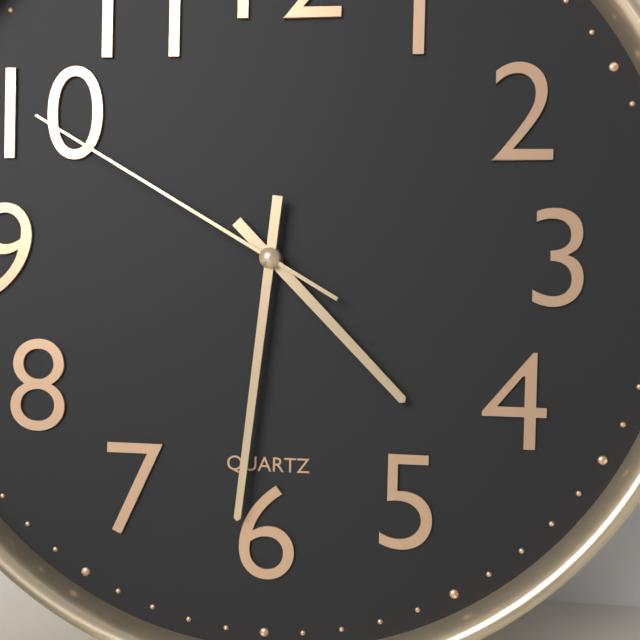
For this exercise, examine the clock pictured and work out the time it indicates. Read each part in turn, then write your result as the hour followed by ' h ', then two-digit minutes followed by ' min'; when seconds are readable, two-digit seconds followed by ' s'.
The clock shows 4 h 31 min 50 s
